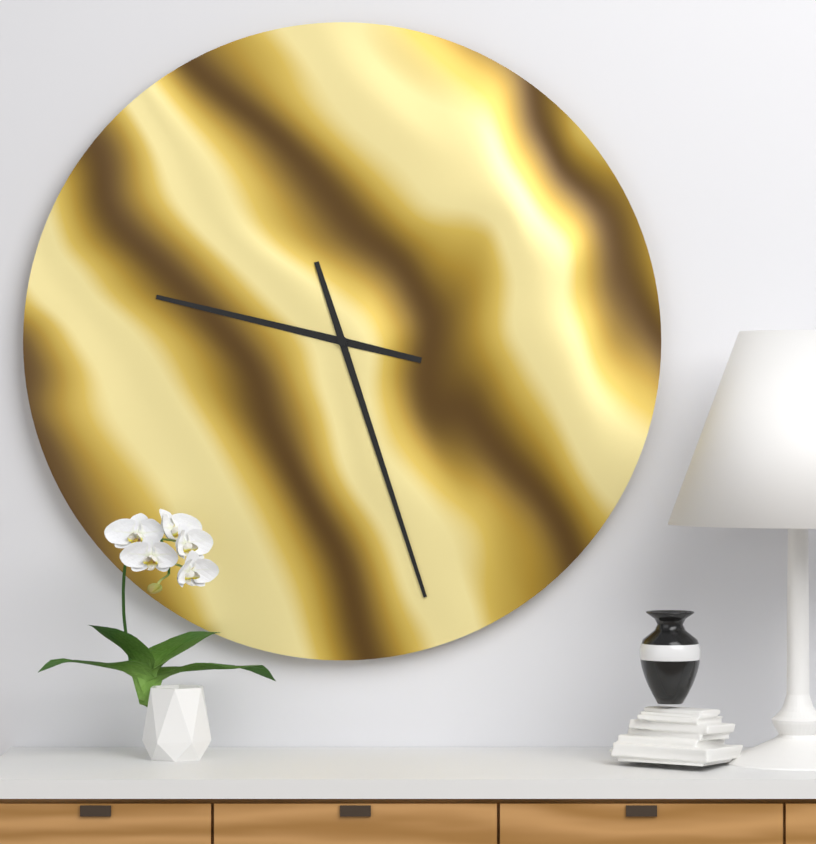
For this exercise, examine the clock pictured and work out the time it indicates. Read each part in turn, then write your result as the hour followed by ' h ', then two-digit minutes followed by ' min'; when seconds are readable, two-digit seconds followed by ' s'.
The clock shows 9 h 27 min
